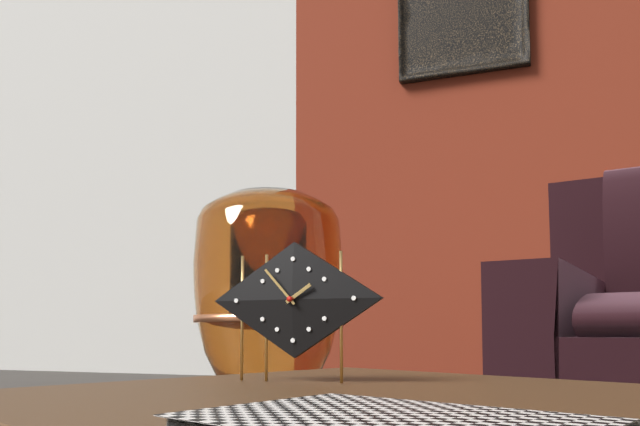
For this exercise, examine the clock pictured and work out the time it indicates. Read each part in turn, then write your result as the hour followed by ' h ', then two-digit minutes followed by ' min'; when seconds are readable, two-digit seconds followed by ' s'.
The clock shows 1 h 53 min
